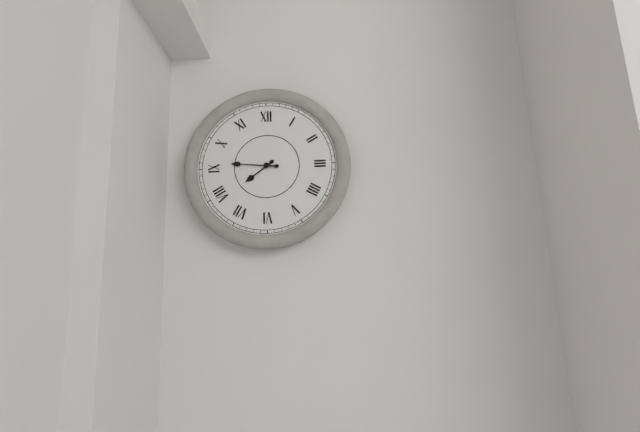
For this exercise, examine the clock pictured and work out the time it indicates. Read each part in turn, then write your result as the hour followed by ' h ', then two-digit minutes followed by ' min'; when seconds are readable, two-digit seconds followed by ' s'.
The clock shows 7 h 46 min
